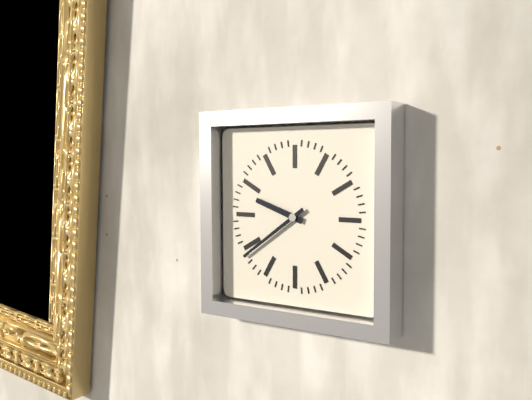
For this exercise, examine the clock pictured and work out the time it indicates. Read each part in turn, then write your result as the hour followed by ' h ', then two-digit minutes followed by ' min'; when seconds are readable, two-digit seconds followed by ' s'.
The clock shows 9 h 39 min
